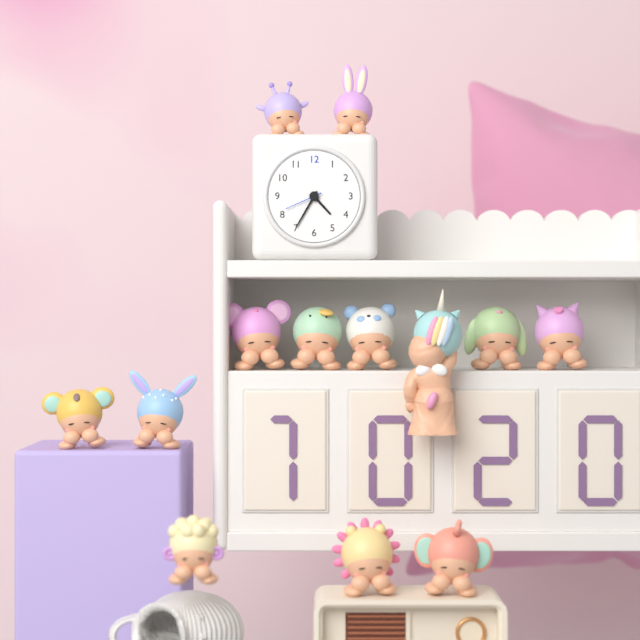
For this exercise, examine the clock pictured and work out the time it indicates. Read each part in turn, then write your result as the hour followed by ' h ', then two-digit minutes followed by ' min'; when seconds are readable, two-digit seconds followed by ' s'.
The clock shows 4 h 35 min
